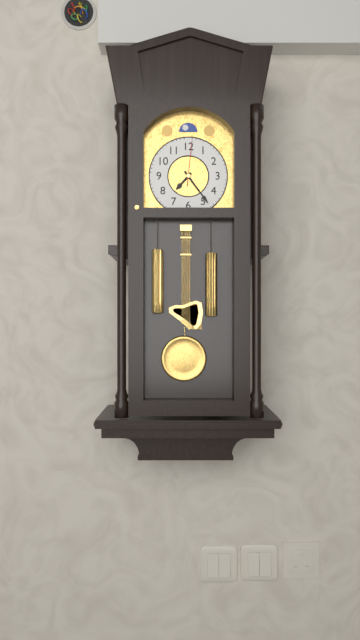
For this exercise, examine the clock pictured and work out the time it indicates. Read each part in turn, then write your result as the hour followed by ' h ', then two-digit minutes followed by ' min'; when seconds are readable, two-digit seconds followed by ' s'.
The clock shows 7 h 24 min
